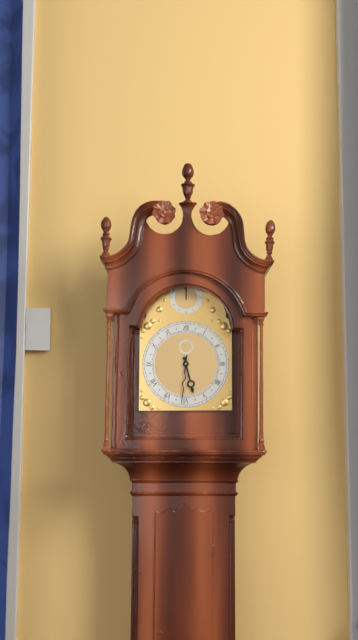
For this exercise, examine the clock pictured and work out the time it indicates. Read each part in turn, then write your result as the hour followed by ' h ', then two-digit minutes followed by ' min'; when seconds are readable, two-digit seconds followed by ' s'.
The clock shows 5 h 31 min
